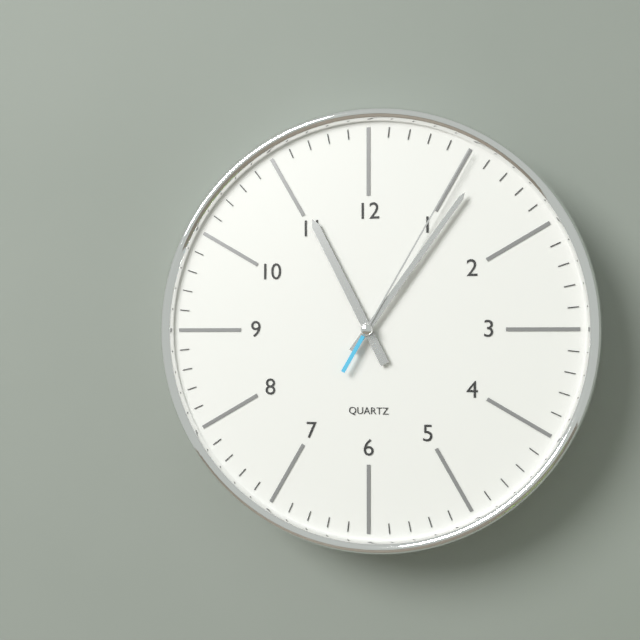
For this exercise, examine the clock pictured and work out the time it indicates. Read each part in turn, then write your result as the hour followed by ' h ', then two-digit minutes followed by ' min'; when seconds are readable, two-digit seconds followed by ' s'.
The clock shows 11 h 06 min 05 s
